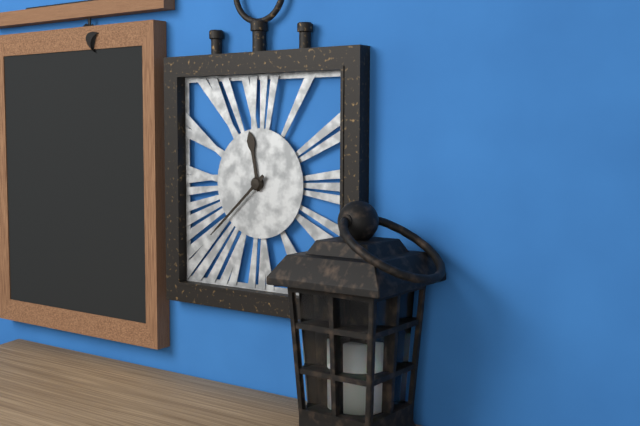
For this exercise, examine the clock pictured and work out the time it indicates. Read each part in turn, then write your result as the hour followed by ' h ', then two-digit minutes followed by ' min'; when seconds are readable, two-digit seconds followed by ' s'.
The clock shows 11 h 38 min
